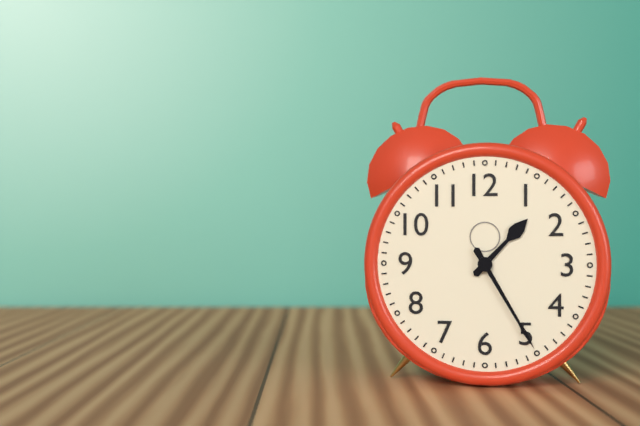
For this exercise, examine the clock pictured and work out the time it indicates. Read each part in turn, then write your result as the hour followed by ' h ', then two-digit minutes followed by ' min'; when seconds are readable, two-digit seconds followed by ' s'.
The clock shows 1 h 25 min
